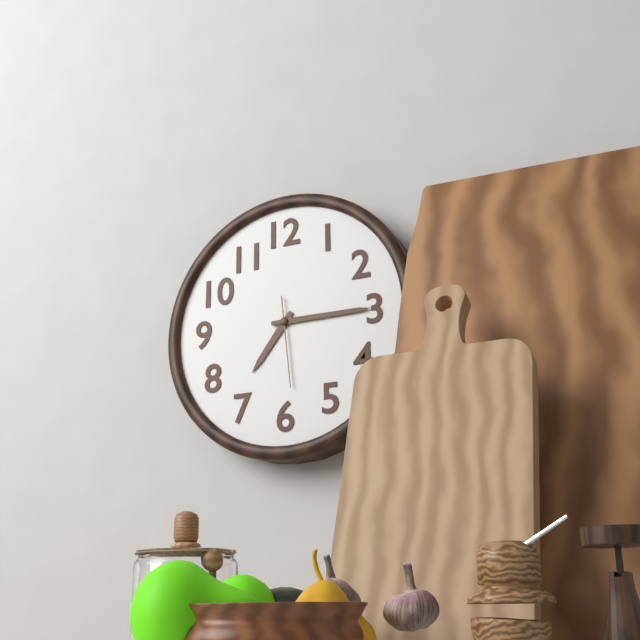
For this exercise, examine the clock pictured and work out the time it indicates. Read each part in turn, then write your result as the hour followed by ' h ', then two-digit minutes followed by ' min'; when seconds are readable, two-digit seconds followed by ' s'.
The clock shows 7 h 15 min 29 s
